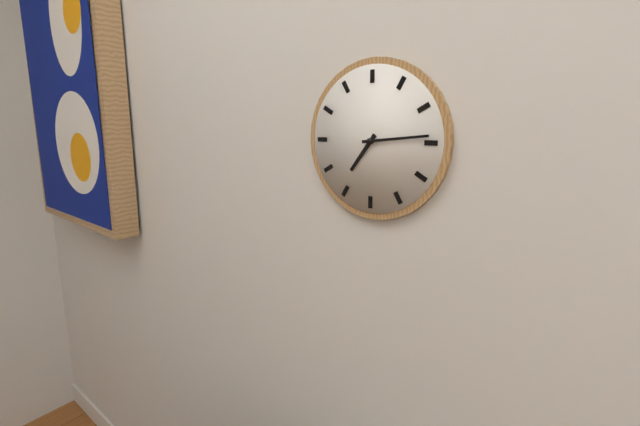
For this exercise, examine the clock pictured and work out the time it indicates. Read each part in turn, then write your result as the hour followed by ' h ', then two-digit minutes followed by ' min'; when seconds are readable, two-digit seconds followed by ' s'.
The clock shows 7 h 14 min
